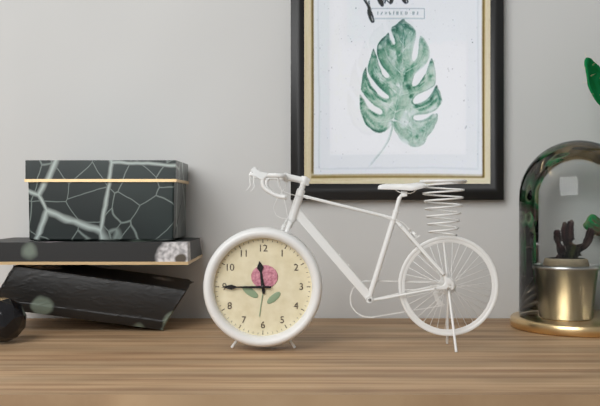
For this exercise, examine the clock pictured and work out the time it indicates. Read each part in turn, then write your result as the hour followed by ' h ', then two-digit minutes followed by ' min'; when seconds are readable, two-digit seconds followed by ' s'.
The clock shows 11 h 45 min
